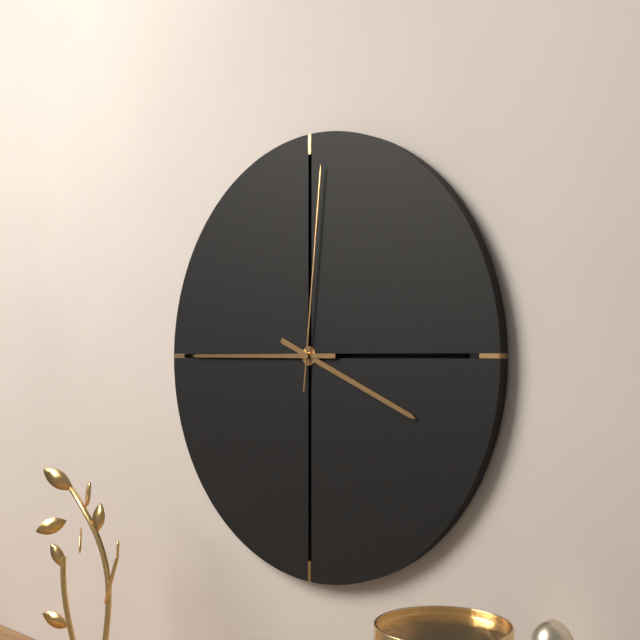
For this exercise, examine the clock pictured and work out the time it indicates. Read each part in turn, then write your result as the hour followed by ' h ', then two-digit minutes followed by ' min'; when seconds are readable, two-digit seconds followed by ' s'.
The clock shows 3 h 45 min 01 s
